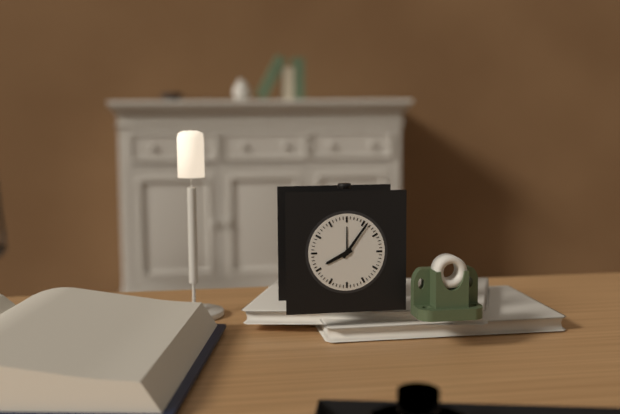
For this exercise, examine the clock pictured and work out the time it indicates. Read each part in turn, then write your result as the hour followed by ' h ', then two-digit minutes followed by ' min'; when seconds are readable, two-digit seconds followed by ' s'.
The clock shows 8 h 06 min
